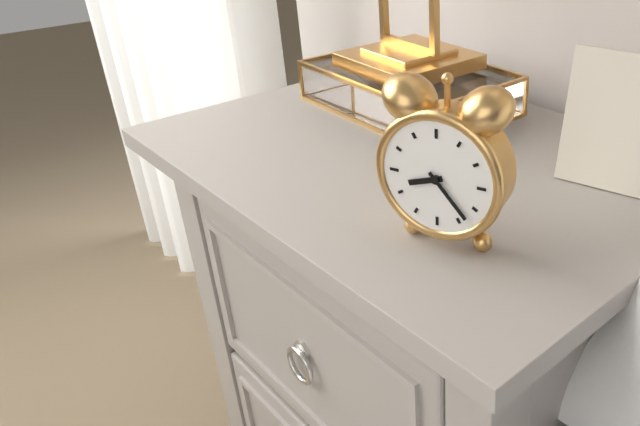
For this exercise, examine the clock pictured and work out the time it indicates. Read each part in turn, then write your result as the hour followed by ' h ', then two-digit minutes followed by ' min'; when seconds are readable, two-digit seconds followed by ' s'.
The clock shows 8 h 23 min
